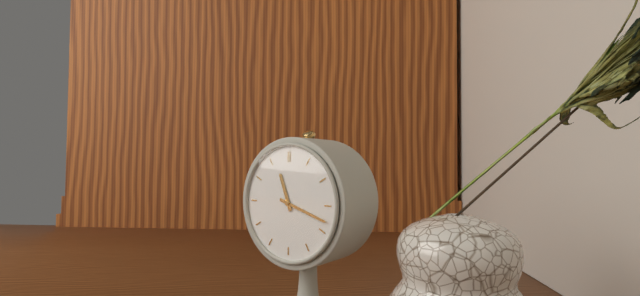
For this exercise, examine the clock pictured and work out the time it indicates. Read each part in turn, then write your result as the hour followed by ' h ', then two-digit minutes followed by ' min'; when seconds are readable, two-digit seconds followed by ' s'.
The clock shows 11 h 18 min
